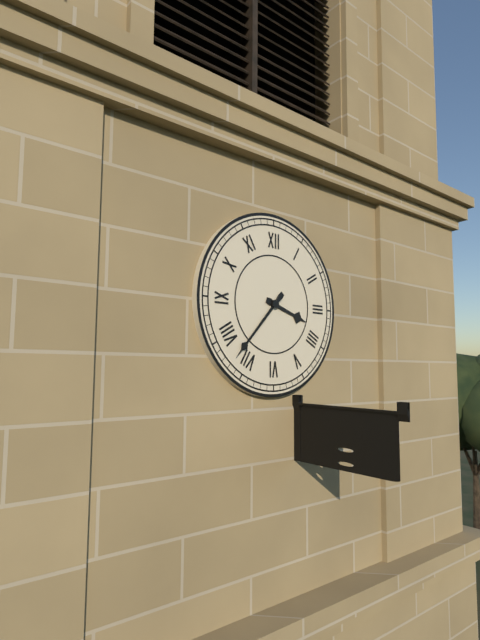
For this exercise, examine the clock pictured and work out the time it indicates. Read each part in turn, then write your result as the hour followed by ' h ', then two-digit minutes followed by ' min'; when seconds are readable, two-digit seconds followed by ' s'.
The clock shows 3 h 37 min
